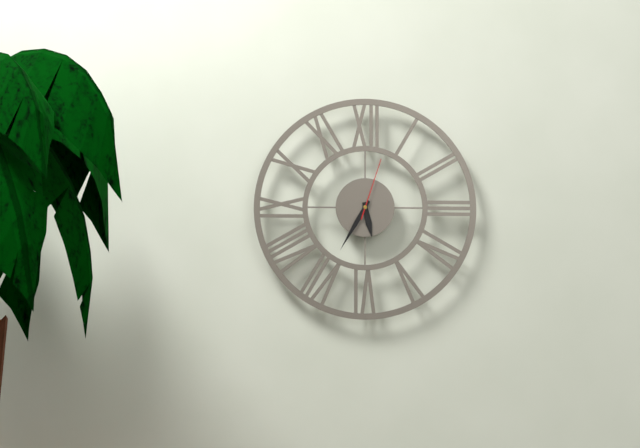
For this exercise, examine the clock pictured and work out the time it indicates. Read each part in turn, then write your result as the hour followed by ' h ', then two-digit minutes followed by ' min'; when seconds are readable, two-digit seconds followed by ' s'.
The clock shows 5 h 35 min 03 s
